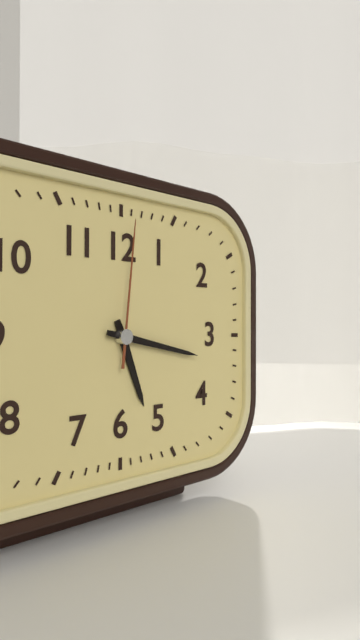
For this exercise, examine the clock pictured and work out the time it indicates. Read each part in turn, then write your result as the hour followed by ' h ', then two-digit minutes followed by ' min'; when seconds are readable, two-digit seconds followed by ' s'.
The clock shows 5 h 17 min 01 s
